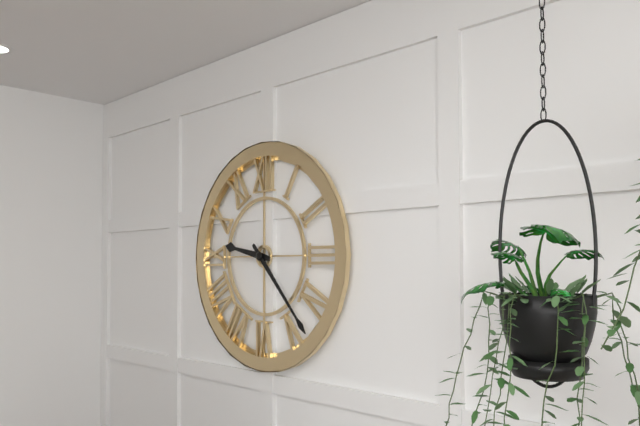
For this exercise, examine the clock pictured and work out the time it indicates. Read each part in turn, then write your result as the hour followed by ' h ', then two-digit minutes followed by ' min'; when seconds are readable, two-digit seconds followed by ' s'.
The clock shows 9 h 23 min
